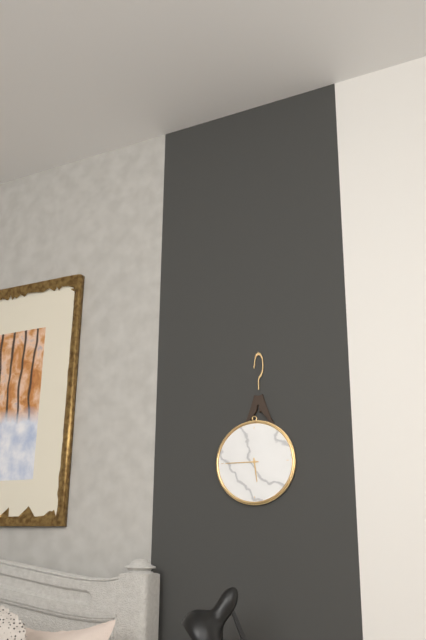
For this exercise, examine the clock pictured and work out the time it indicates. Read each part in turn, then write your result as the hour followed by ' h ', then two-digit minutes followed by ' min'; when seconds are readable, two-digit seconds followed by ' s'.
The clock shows 5 h 45 min
